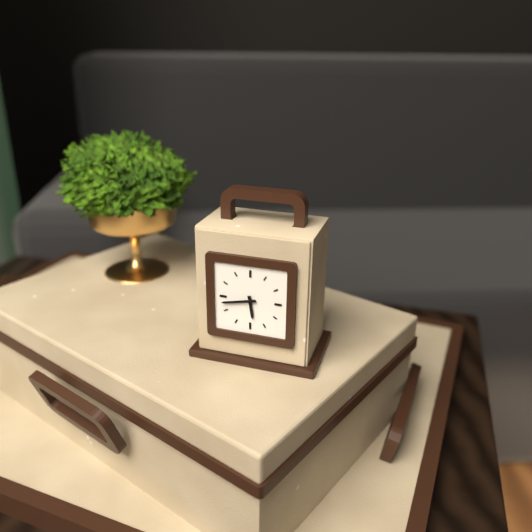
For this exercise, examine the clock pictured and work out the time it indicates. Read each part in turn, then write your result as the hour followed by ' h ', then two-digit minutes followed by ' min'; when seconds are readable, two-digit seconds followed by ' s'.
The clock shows 5 h 43 min
